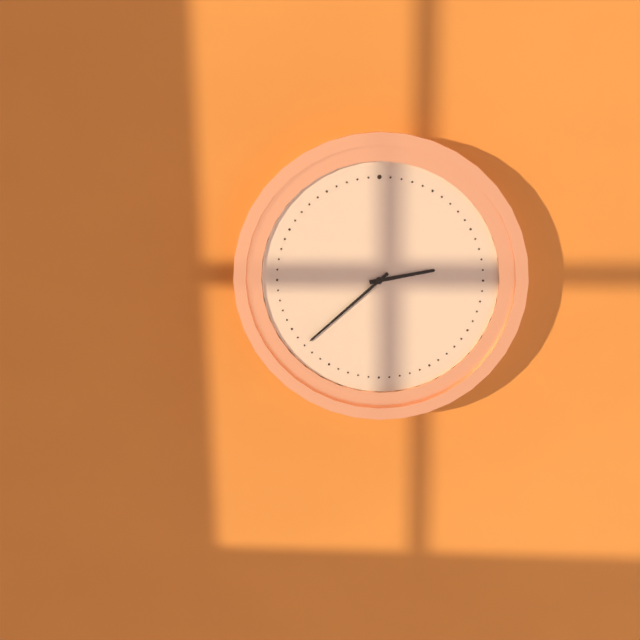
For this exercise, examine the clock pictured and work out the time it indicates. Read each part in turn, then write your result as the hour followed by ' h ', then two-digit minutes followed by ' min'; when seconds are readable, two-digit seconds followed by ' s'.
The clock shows 2 h 38 min
